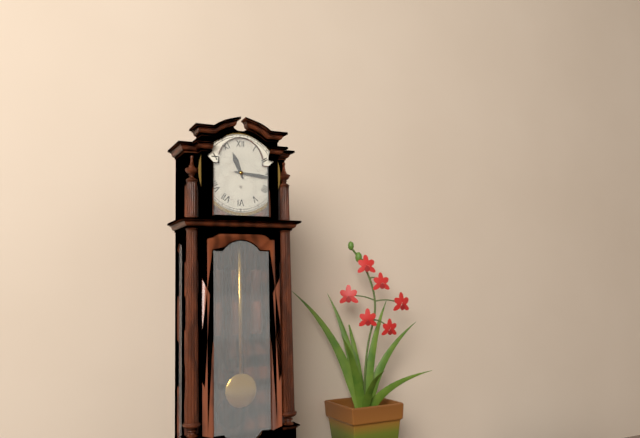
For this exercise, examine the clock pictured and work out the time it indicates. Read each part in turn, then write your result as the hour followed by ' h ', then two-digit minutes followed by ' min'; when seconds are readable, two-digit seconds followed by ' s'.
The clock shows 11 h 16 min
